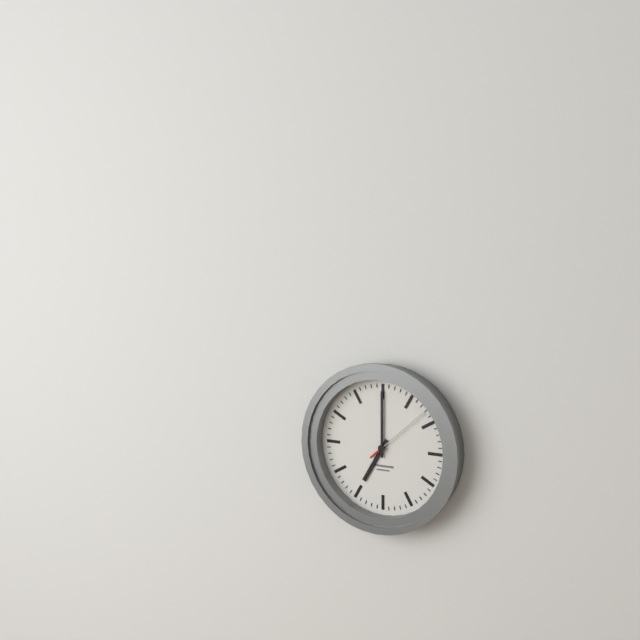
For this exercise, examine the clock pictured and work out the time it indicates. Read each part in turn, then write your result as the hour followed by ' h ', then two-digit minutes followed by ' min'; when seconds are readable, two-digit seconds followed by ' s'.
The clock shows 7 h 00 min 08 s
